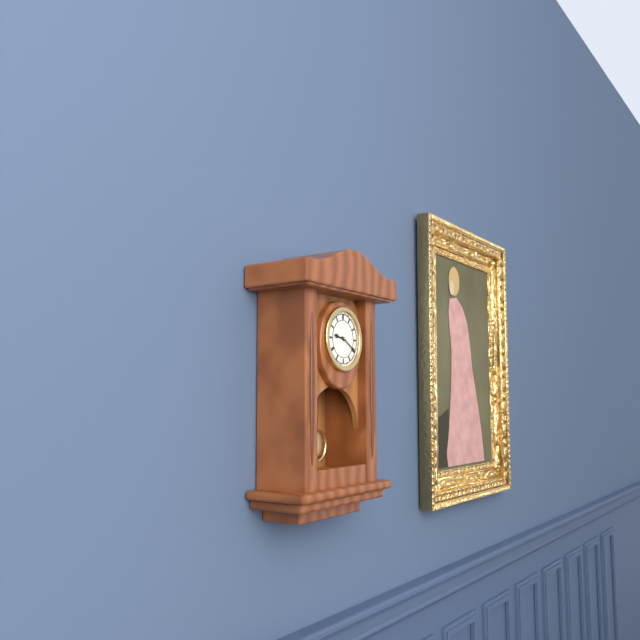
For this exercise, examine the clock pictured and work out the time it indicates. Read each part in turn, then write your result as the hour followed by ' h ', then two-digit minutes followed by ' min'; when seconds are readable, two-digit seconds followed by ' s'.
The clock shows 9 h 20 min
